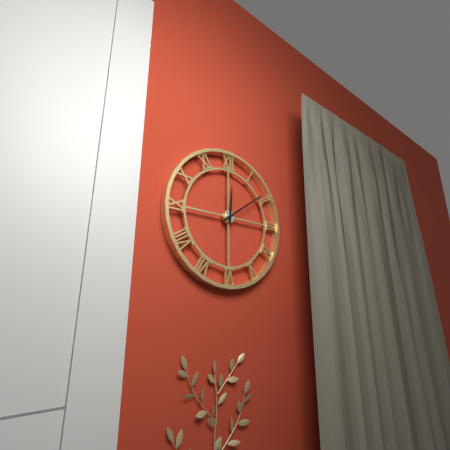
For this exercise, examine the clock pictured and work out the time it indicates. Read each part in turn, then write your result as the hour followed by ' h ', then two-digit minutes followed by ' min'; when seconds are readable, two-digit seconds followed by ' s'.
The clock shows 12 h 09 min
